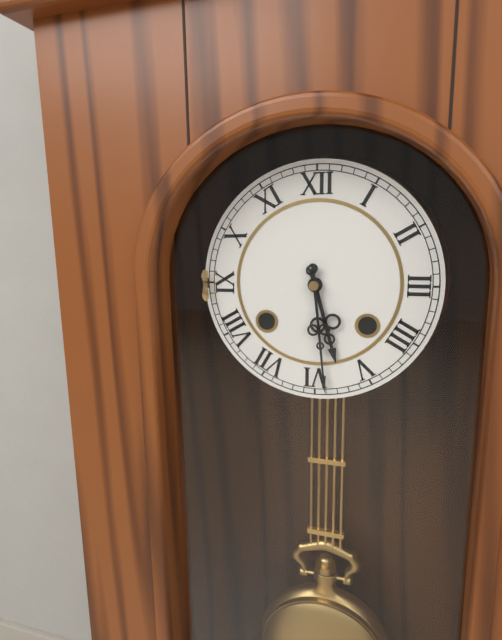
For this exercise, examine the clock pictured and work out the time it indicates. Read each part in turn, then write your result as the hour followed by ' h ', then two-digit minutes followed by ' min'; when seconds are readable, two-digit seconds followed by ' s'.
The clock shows 5 h 29 min
